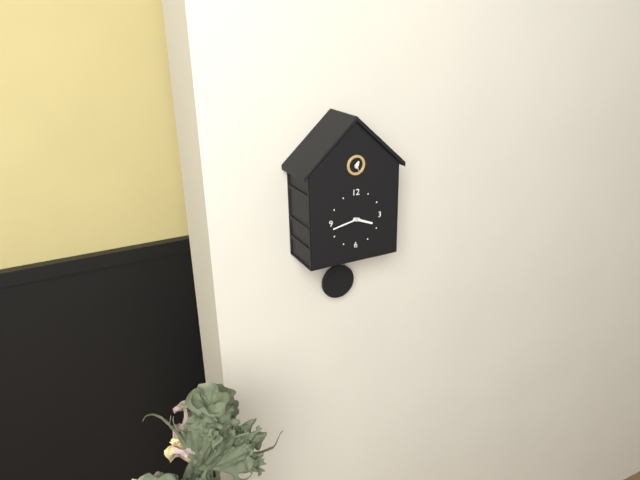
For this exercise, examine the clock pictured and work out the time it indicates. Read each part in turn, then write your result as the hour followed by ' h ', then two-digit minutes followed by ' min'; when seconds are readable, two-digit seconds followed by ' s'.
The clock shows 3 h 43 min
